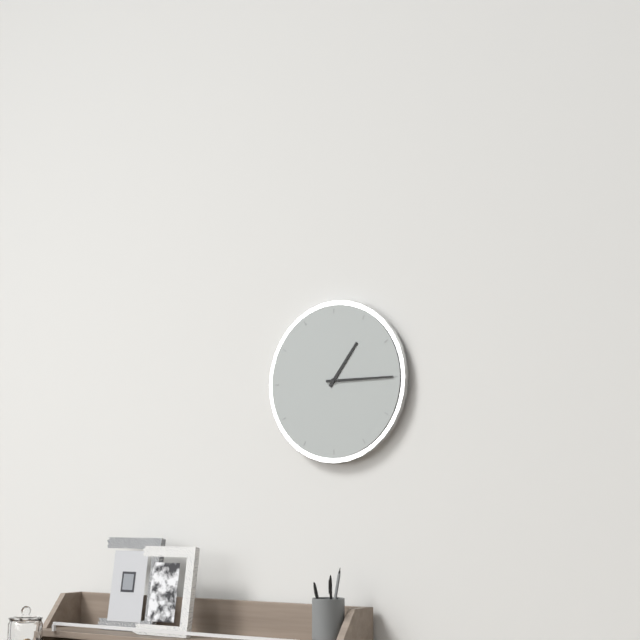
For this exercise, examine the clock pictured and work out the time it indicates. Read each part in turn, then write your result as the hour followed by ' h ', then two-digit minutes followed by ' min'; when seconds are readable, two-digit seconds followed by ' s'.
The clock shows 1 h 15 min
